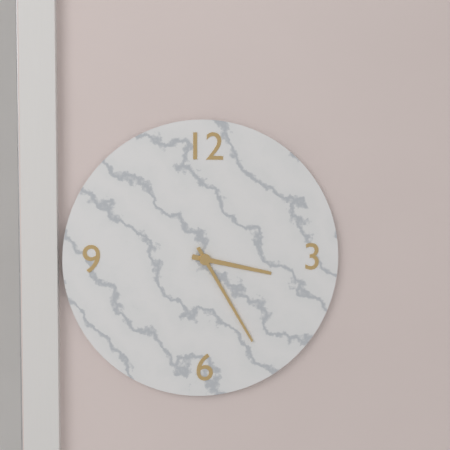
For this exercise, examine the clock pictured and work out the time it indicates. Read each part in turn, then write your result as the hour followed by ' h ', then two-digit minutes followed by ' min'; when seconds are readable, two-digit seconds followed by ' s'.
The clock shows 3 h 25 min
